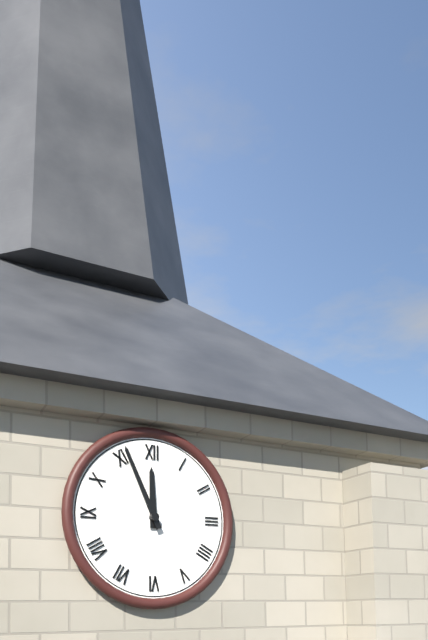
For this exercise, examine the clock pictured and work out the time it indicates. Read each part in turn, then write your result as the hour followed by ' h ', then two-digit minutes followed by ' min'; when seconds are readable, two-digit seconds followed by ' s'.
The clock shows 11 h 56 min
